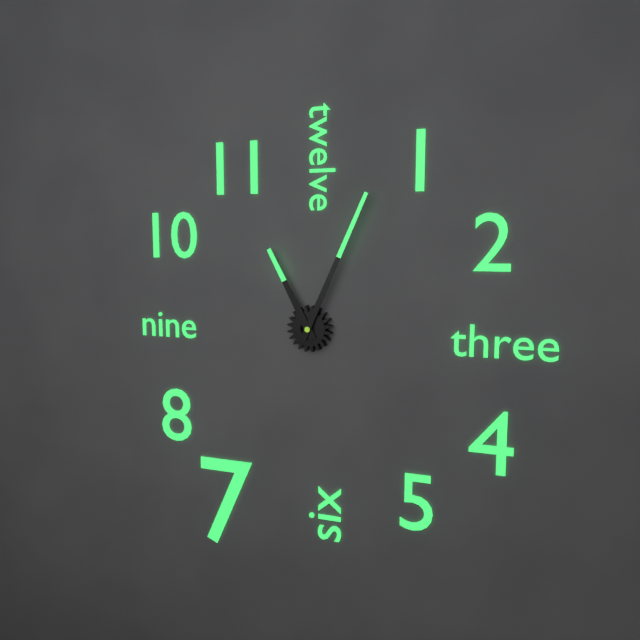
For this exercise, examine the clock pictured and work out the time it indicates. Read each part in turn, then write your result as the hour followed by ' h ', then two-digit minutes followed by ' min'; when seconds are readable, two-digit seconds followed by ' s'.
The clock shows 11 h 04 min
